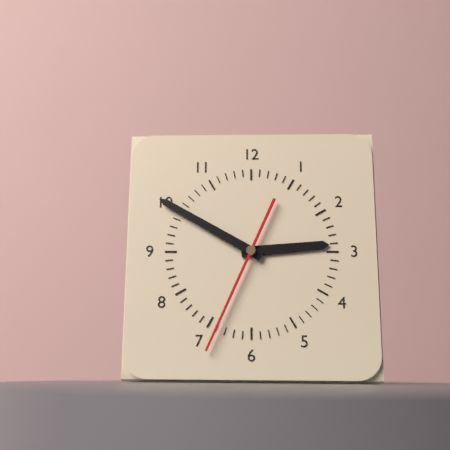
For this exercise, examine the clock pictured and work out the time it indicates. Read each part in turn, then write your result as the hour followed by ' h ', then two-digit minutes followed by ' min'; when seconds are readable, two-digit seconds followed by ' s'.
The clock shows 2 h 50 min 34 s
